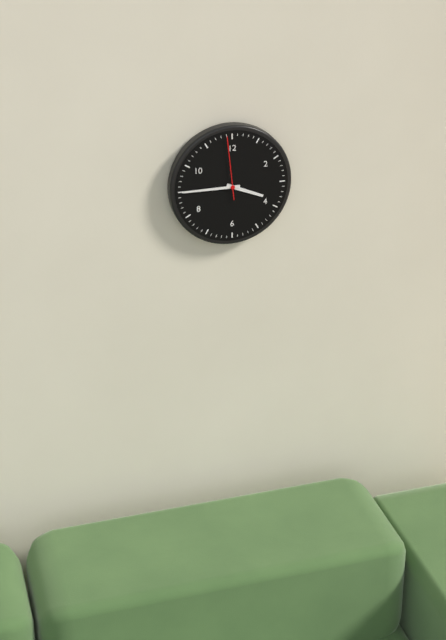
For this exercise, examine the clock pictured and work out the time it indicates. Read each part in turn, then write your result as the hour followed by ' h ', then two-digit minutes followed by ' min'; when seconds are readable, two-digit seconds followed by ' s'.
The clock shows 3 h 45 min 59 s
